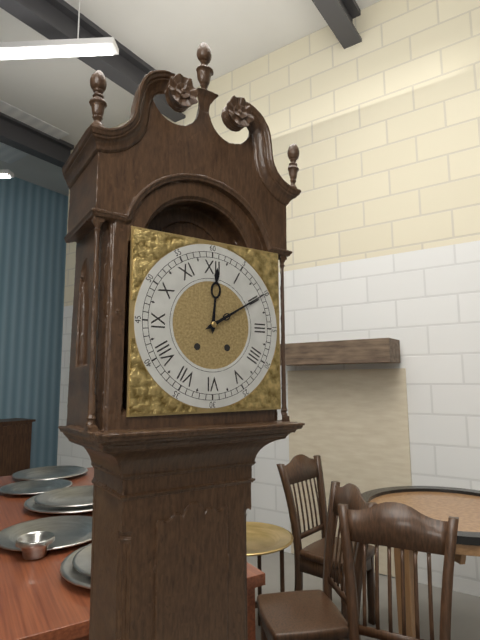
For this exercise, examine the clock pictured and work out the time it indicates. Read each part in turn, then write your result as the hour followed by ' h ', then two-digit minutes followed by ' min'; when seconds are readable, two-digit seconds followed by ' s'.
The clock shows 12 h 10 min
